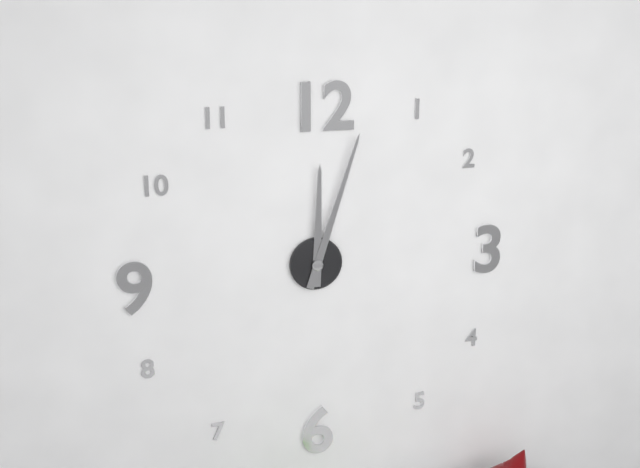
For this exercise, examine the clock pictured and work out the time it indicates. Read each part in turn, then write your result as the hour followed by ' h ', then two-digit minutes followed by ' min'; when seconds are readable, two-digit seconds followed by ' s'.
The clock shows 12 h 03 min
